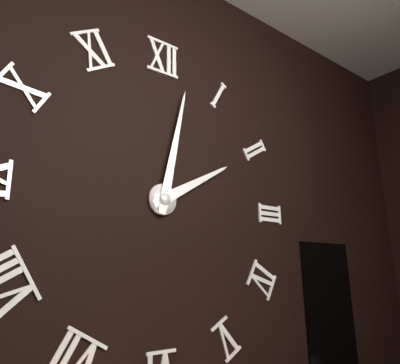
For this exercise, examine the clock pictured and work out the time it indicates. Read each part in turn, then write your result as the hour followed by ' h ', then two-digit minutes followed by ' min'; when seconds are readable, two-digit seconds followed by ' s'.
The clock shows 2 h 02 min
